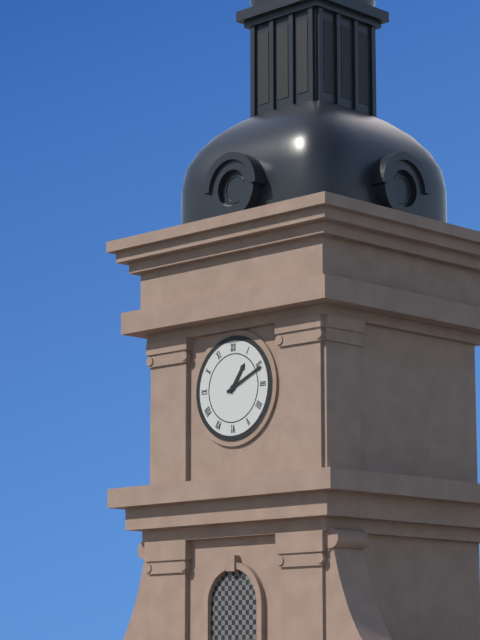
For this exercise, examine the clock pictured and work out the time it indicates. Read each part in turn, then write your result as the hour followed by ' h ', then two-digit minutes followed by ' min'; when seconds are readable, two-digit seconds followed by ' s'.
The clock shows 1 h 11 min
